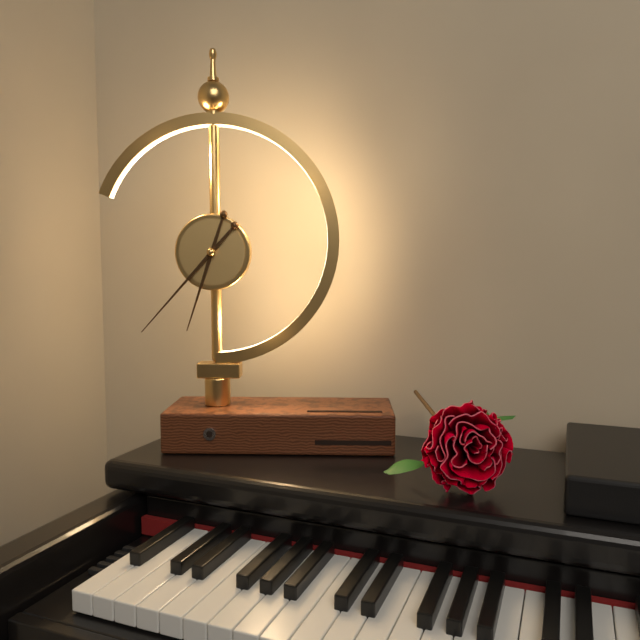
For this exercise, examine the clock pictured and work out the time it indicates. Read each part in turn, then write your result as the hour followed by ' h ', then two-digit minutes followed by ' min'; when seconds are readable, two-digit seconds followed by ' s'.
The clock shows 6 h 37 min
